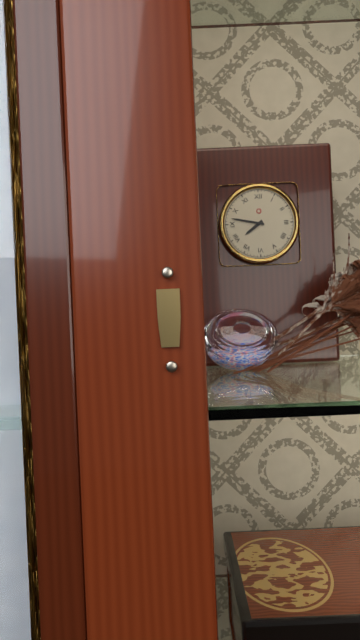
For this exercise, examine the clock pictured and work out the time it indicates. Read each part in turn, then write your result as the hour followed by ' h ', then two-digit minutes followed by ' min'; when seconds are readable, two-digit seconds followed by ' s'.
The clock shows 7 h 47 min
